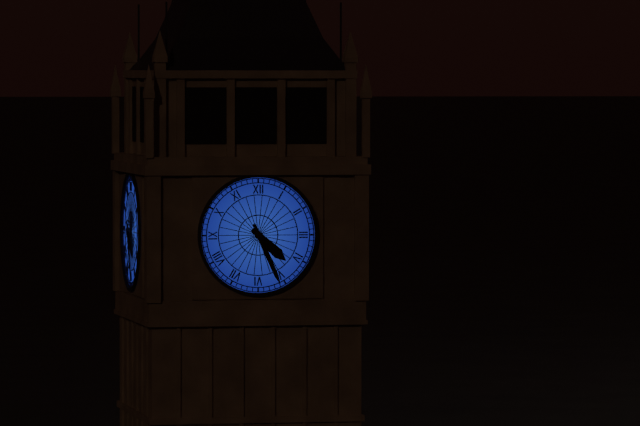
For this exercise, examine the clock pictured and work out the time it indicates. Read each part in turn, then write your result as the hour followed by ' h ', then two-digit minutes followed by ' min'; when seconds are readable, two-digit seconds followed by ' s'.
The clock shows 4 h 26 min
